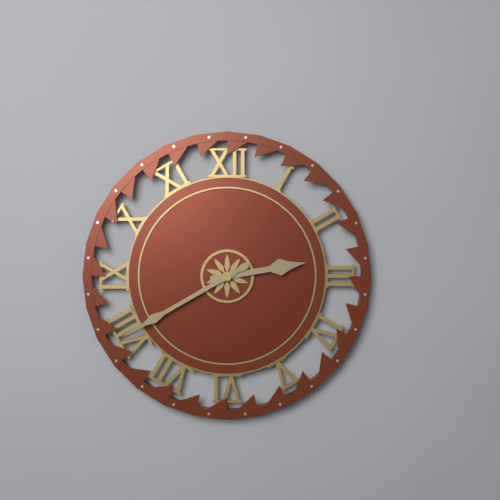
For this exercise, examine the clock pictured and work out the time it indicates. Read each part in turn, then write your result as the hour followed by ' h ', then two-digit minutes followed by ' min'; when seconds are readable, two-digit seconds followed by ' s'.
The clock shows 2 h 40 min
